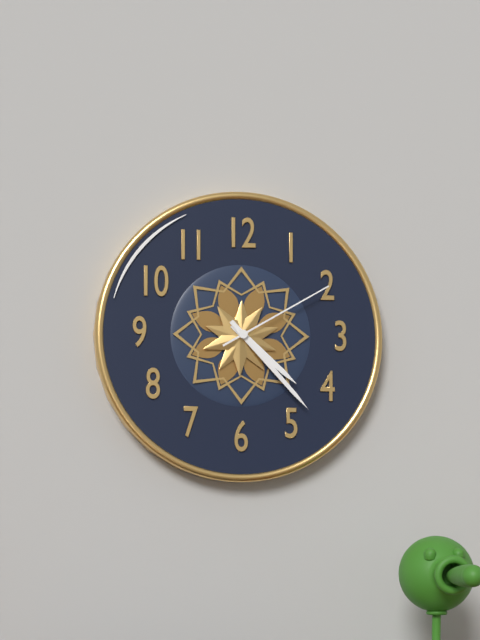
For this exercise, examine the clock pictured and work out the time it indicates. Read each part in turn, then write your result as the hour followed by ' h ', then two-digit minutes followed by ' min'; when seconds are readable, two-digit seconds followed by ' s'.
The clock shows 4 h 23 min 10 s
